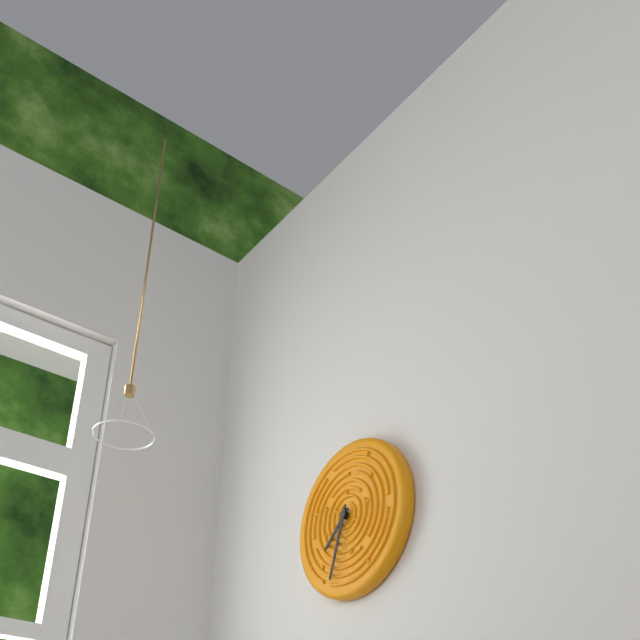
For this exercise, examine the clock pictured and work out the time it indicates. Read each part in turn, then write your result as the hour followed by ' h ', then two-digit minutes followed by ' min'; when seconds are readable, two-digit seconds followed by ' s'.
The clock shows 7 h 33 min
